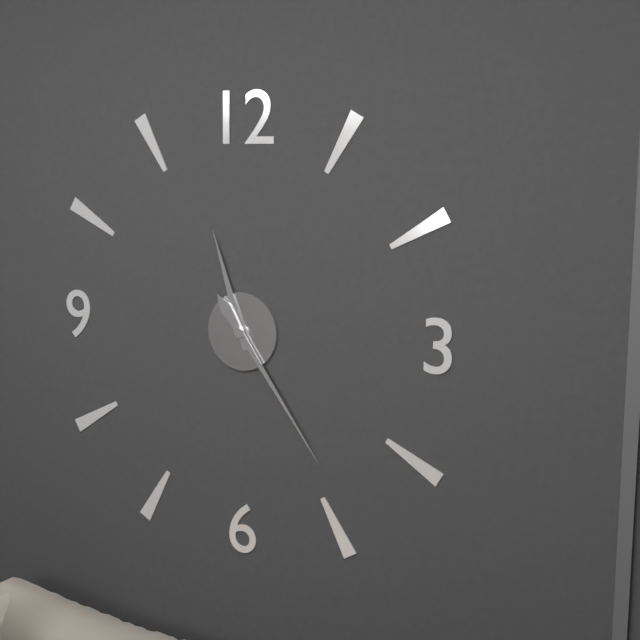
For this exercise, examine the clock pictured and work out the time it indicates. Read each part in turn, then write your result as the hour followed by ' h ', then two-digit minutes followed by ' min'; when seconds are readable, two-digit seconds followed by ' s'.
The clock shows 11 h 24 min
